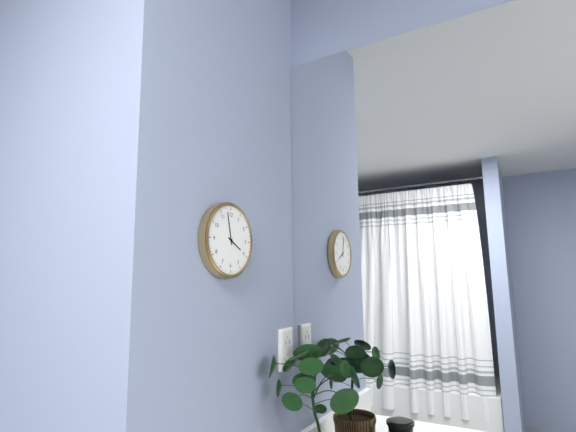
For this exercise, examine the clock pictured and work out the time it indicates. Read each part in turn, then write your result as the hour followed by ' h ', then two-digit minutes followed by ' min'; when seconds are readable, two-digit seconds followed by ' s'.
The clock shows 3 h 58 min
